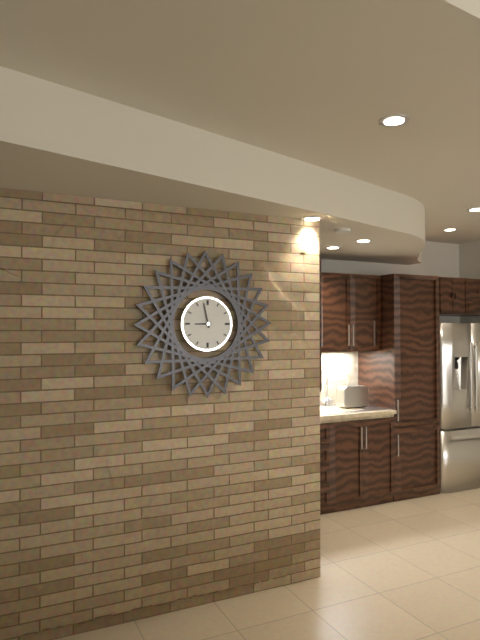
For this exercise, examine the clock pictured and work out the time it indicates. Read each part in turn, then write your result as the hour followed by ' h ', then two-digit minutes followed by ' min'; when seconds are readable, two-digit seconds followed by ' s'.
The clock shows 8 h 58 min
